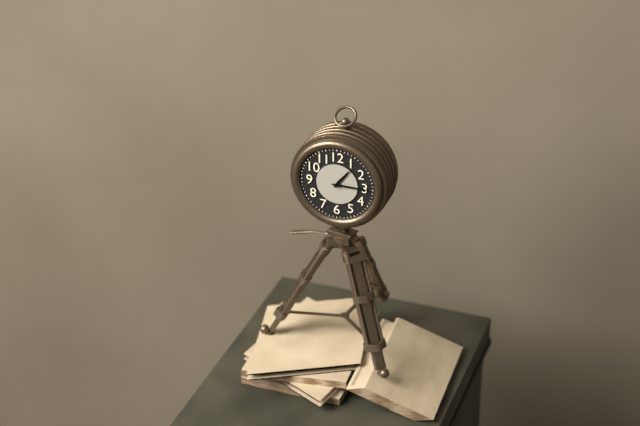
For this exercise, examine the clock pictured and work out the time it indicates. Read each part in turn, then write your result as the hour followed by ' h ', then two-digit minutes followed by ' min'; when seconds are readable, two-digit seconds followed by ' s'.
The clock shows 1 h 15 min
